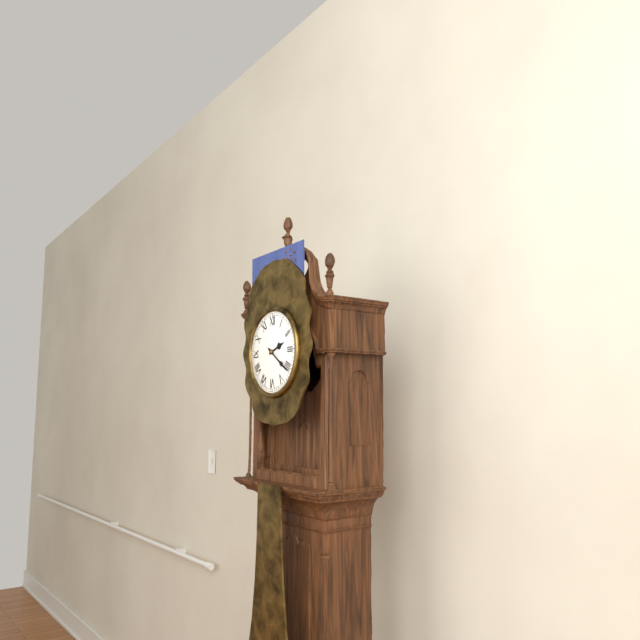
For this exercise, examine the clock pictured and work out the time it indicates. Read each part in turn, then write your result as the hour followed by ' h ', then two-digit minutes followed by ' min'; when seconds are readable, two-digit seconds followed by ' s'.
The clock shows 2 h 21 min
